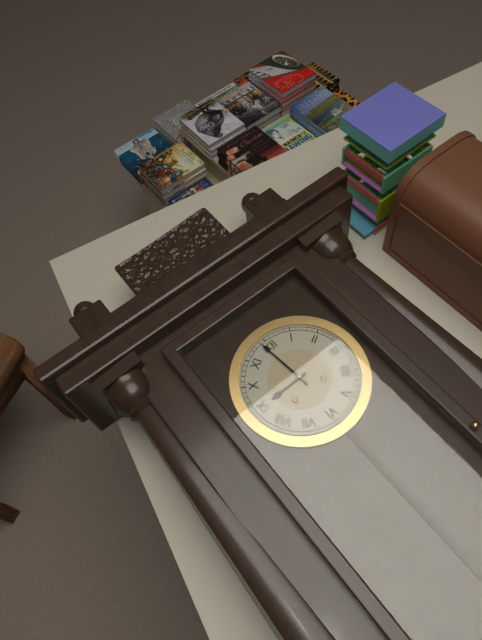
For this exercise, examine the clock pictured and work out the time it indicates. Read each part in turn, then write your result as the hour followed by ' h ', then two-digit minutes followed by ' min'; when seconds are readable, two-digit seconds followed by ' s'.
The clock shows 8 h 59 min
